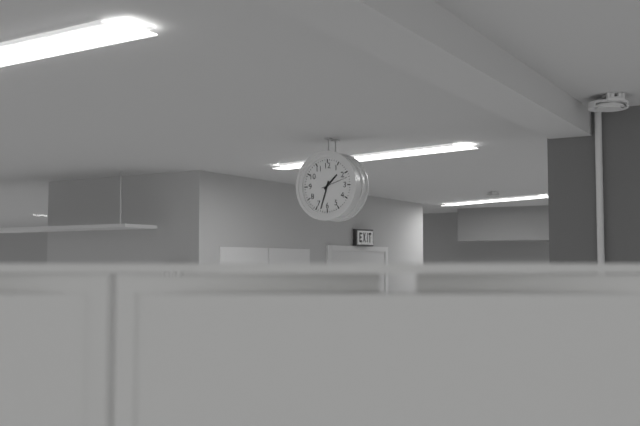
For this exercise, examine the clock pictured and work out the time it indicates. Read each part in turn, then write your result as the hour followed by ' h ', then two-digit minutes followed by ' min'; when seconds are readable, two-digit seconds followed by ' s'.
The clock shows 1 h 33 min
